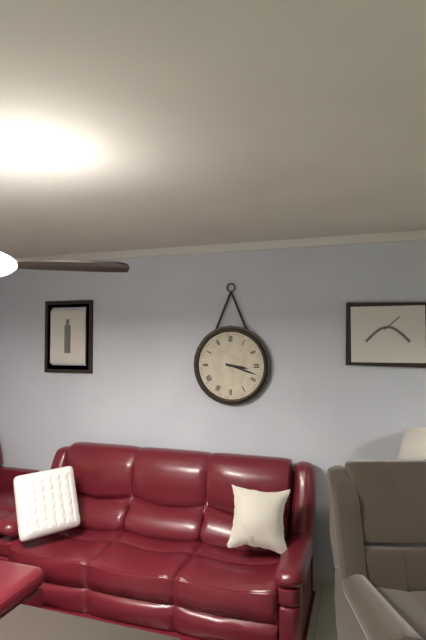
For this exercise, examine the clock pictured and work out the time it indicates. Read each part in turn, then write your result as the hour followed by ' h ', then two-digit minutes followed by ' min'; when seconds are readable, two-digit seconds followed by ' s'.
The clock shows 3 h 18 min
